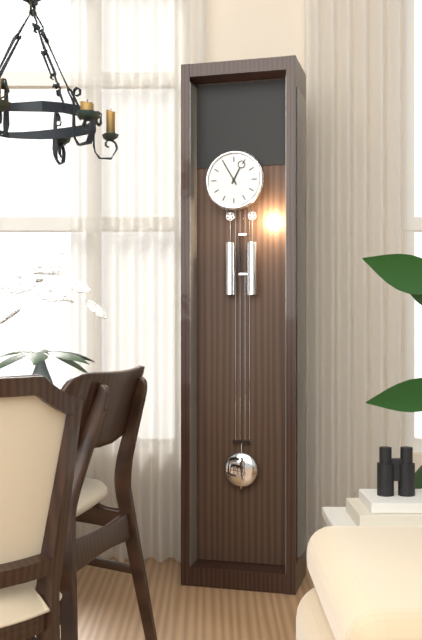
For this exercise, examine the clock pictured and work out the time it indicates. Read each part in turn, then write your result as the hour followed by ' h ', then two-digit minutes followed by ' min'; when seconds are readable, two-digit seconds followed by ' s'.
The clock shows 12 h 55 min
